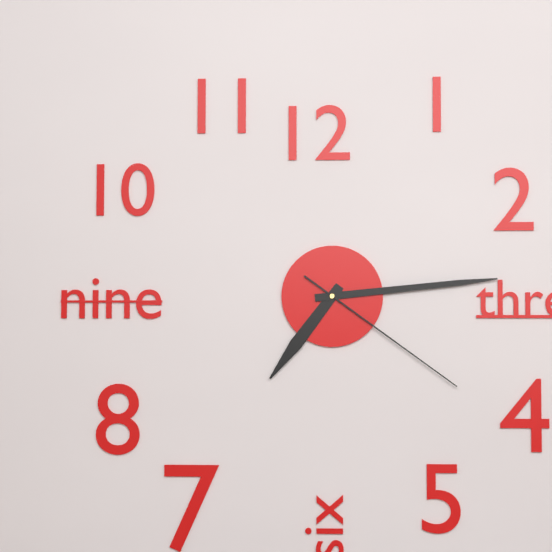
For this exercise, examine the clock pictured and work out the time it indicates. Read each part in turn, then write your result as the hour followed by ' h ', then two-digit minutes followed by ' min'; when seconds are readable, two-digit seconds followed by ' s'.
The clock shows 7 h 14 min 21 s
